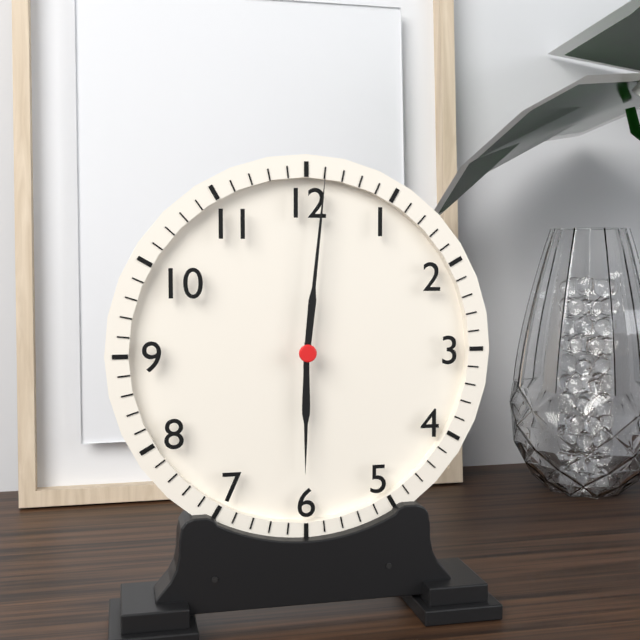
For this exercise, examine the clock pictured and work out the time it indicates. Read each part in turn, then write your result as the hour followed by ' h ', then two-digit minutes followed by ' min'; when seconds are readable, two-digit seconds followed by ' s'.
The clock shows 6 h 01 min
